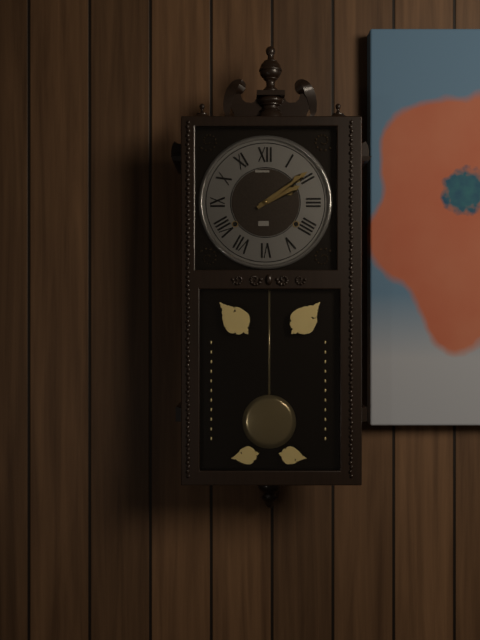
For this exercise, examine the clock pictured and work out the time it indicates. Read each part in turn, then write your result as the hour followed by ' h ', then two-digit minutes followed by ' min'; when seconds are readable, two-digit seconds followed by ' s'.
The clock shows 2 h 09 min
